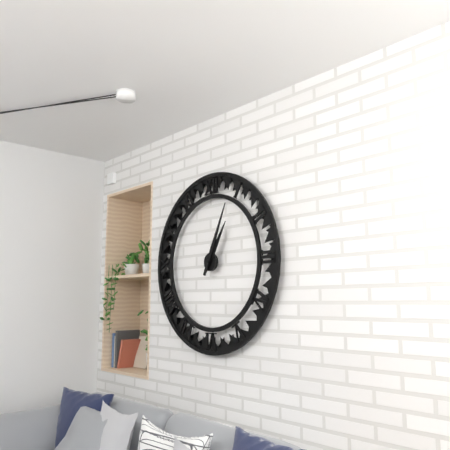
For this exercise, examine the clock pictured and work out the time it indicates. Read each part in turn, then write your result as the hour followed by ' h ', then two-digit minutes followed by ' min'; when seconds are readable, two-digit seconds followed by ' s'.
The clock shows 1 h 04 min
